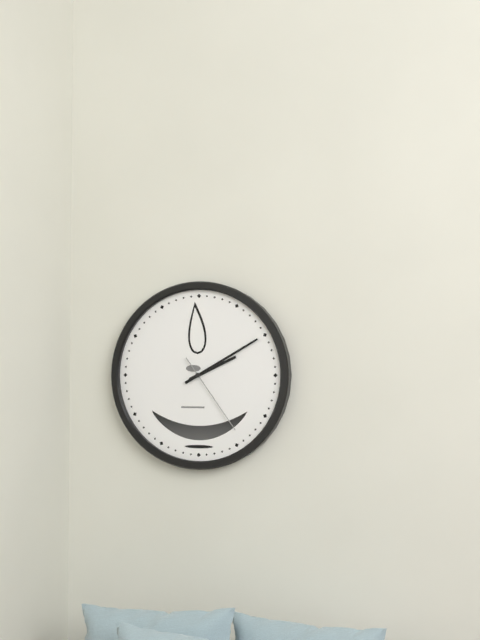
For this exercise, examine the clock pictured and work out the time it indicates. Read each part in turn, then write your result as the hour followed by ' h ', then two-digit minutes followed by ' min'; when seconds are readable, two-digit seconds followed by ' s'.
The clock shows 2 h 10 min 24 s
